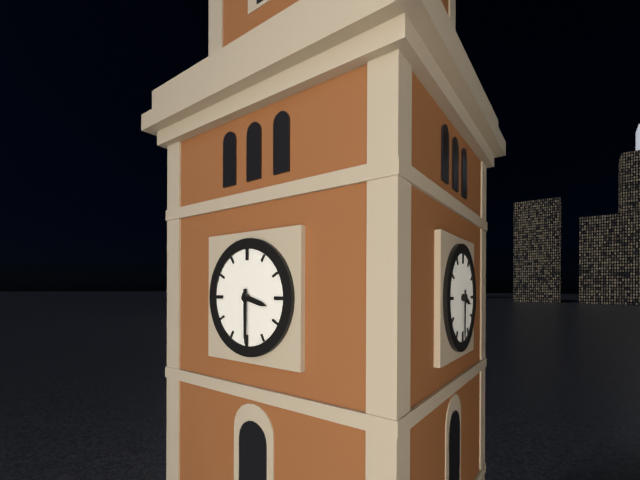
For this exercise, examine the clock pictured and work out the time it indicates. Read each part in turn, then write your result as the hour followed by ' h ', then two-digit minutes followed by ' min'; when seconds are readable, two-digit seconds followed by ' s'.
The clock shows 3 h 30 min
